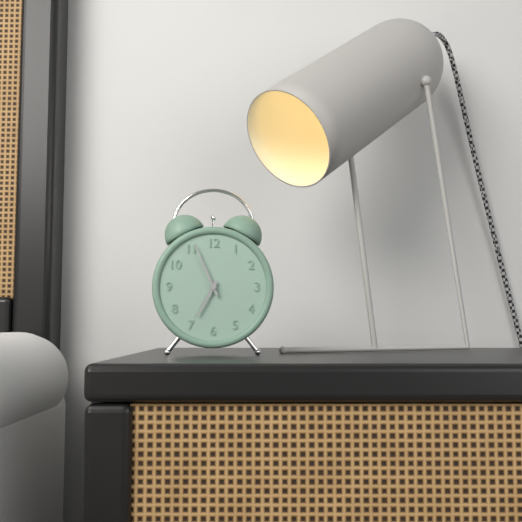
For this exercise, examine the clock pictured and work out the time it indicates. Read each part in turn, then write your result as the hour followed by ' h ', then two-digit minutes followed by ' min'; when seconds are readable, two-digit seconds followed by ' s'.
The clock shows 6 h 56 min
